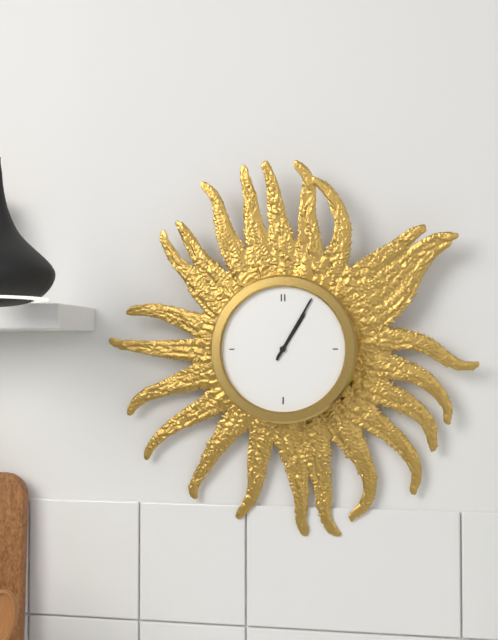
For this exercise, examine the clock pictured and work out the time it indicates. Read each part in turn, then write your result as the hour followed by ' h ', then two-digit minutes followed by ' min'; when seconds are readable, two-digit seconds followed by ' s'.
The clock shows 1 h 05 min
